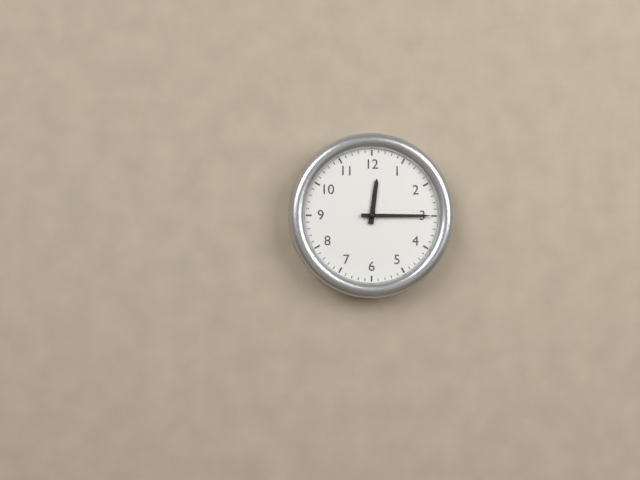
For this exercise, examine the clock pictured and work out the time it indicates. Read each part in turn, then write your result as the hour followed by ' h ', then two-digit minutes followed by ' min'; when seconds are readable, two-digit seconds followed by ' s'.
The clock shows 12 h 15 min
